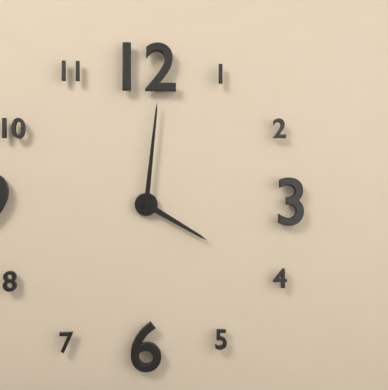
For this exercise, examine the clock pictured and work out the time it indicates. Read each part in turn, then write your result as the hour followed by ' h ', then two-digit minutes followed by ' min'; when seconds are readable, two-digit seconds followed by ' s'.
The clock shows 4 h 01 min
